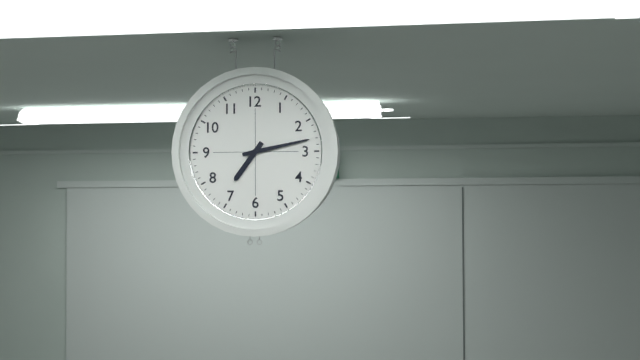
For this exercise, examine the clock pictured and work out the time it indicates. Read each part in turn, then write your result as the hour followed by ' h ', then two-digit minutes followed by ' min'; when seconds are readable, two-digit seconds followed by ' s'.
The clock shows 7 h 13 min
